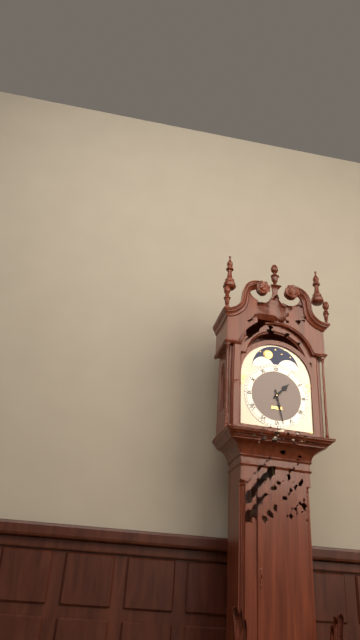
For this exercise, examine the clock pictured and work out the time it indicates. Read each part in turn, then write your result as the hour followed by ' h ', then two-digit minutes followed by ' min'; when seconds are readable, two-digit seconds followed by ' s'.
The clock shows 1 h 28 min
